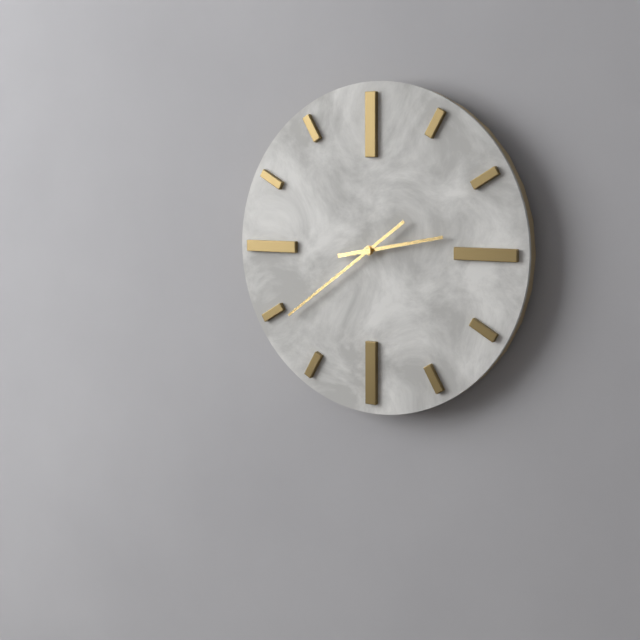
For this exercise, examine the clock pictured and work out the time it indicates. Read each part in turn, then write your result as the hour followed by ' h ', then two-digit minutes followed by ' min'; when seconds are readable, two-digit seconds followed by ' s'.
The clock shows 2 h 39 min
